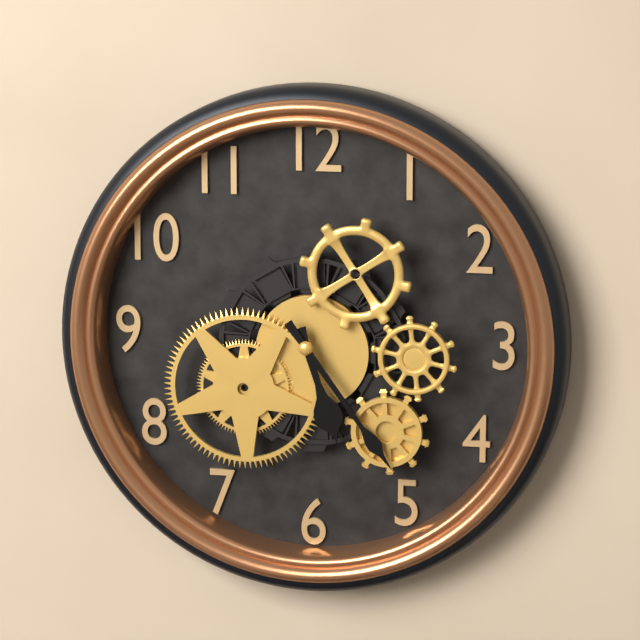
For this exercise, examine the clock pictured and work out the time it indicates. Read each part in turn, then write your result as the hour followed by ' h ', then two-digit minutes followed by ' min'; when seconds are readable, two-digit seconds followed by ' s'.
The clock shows 5 h 24 min
